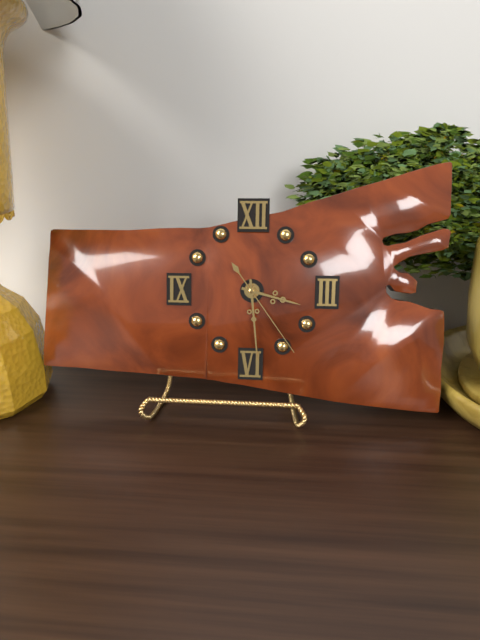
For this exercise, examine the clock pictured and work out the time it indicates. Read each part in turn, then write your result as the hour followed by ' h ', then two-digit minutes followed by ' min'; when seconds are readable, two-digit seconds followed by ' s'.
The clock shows 3 h 29 min 24 s
